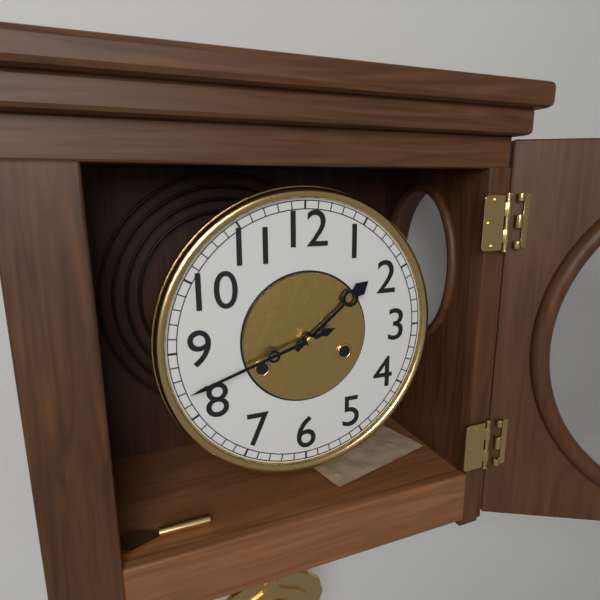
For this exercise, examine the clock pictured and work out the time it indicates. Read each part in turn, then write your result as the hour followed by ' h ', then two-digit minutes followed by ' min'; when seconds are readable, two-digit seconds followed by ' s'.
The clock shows 1 h 42 min
